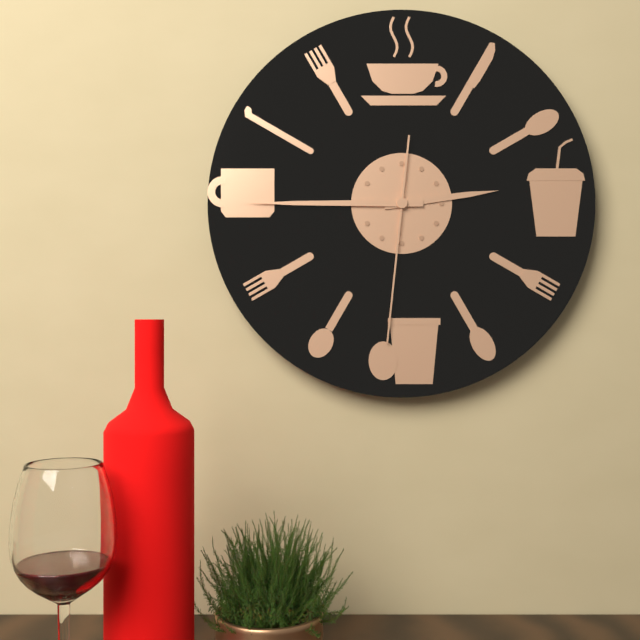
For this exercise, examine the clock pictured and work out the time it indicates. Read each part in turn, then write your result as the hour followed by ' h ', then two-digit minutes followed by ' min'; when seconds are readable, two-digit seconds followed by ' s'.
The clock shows 2 h 45 min 31 s
